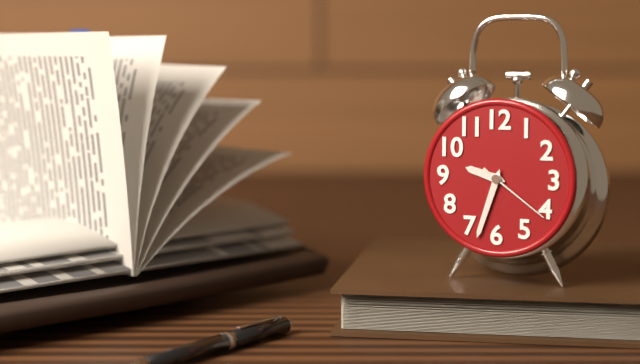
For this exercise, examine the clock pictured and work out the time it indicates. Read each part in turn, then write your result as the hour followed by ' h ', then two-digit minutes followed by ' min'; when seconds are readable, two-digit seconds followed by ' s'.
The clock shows 9 h 33 min 21 s
